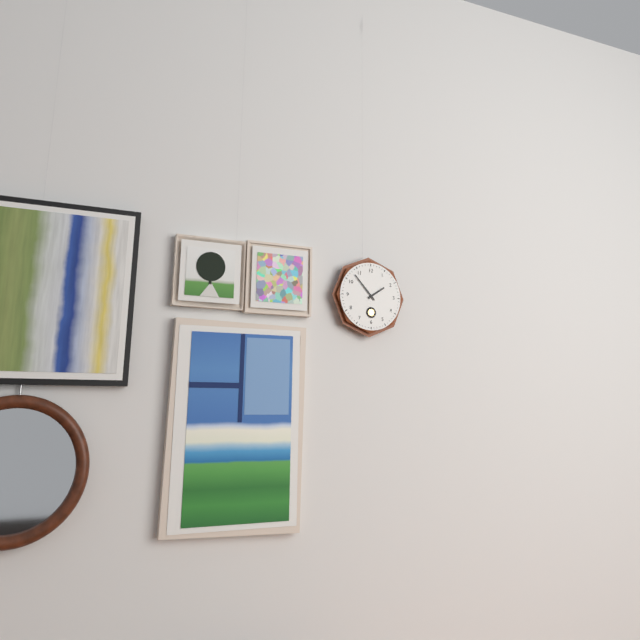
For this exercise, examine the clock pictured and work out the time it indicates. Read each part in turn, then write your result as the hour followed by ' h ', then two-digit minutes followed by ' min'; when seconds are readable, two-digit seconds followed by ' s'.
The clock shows 1 h 53 min
